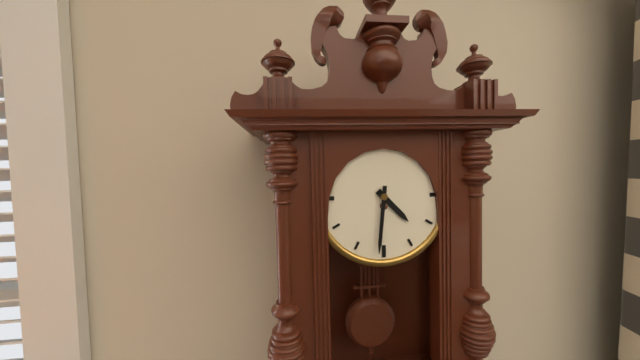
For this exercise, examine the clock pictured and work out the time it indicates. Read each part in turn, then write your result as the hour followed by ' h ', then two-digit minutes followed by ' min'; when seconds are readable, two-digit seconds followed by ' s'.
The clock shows 4 h 31 min
